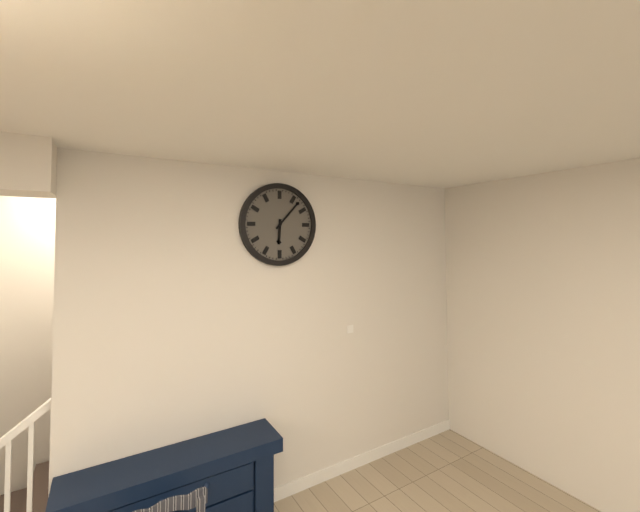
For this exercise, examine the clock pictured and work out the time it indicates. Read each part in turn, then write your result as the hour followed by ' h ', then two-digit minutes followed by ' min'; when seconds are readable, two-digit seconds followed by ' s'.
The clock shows 6 h 07 min
